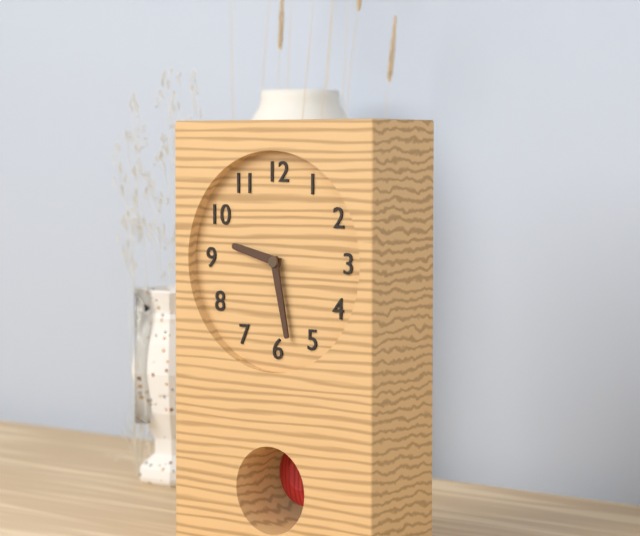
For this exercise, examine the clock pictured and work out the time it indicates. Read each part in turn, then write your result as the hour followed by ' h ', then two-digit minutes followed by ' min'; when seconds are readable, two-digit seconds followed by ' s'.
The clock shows 9 h 28 min
